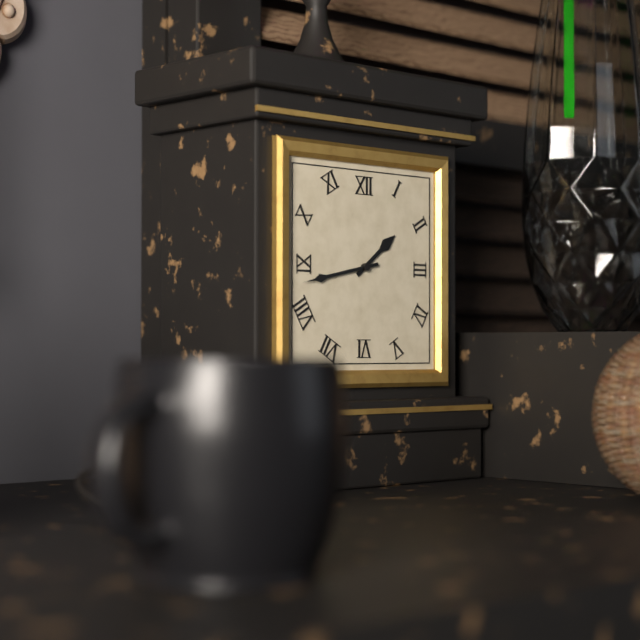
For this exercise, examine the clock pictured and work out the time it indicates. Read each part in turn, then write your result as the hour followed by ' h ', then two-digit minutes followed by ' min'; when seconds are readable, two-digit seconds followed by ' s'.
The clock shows 1 h 43 min
